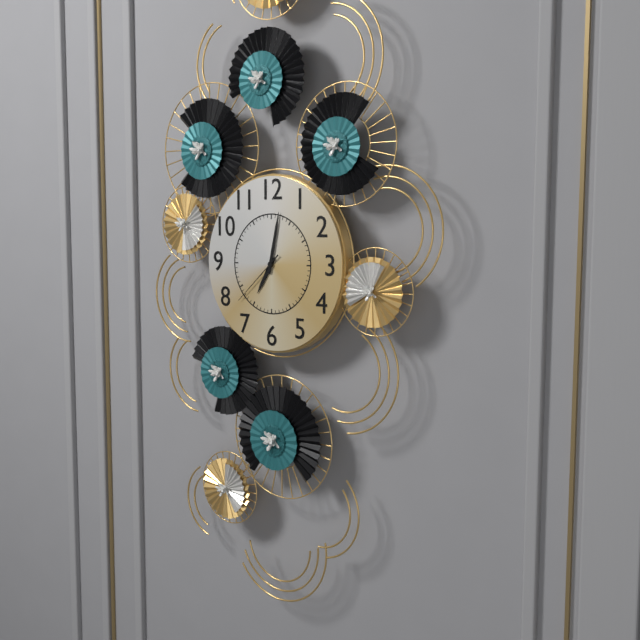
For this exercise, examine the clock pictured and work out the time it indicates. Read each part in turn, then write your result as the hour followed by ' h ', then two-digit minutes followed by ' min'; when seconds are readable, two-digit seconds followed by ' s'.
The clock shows 7 h 02 min 38 s
